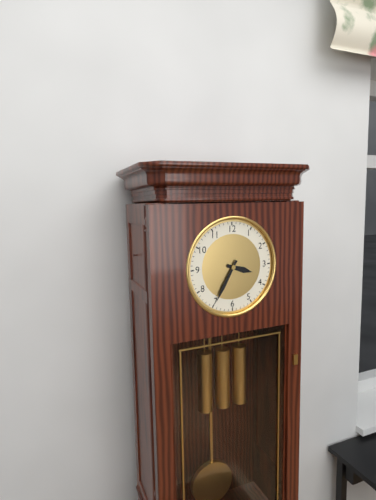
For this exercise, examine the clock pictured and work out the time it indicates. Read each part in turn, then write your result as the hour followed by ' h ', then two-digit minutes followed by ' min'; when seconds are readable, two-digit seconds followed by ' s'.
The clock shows 3 h 35 min
